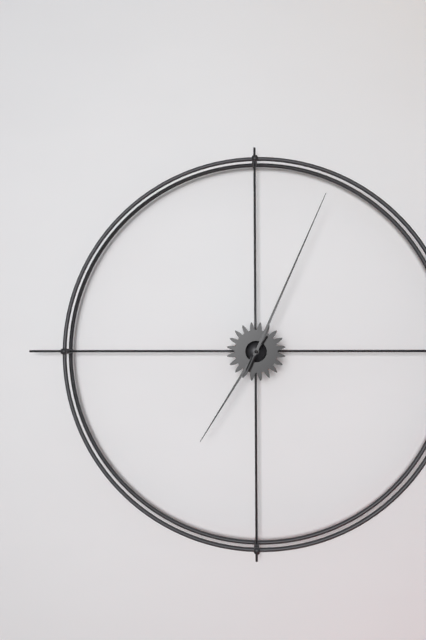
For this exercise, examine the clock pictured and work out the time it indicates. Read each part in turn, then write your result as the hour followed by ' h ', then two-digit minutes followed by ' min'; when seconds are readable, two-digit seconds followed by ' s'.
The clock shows 7 h 04 min
